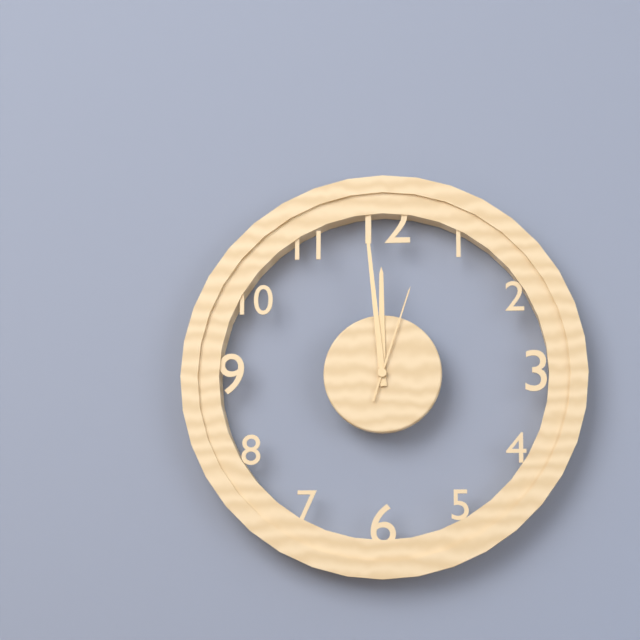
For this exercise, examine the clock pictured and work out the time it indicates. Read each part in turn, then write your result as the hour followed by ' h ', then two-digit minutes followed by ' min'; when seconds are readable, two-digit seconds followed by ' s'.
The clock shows 11 h 59 min 03 s
